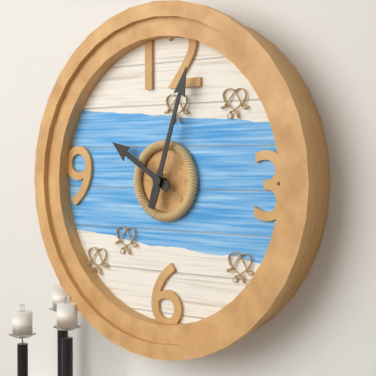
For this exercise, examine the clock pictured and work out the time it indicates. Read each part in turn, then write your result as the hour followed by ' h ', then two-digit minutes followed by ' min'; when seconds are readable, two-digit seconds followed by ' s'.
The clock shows 10 h 03 min
